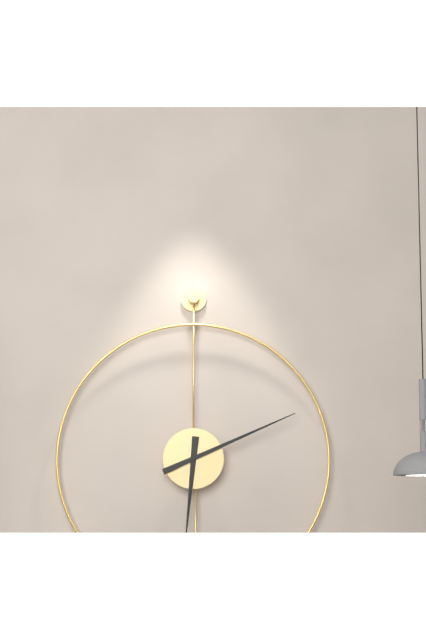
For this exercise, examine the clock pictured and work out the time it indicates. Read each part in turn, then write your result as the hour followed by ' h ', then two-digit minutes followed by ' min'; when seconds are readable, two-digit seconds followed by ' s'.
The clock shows 6 h 11 min
